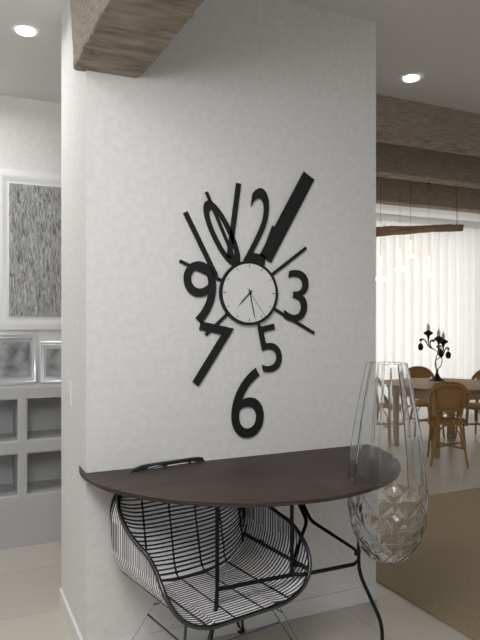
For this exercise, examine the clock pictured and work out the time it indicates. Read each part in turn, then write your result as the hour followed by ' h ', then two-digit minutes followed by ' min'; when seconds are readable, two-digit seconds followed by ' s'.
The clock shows 7 h 28 min
